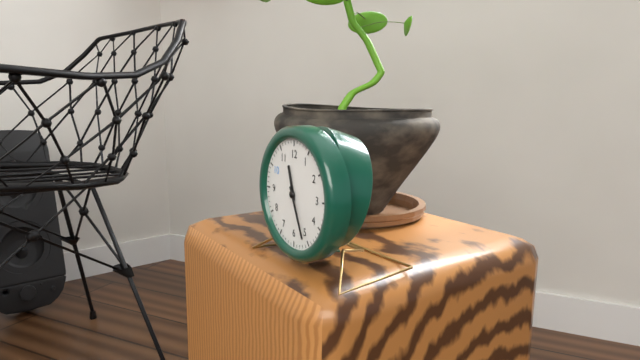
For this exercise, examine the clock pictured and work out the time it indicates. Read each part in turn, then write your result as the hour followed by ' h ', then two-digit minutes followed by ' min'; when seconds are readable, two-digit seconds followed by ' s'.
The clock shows 11 h 26 min
